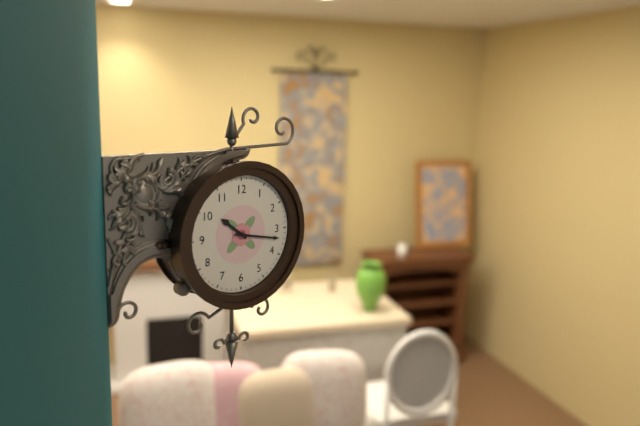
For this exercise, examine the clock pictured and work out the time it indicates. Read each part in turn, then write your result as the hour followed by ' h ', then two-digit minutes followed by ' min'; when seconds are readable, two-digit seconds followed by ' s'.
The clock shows 10 h 17 min
